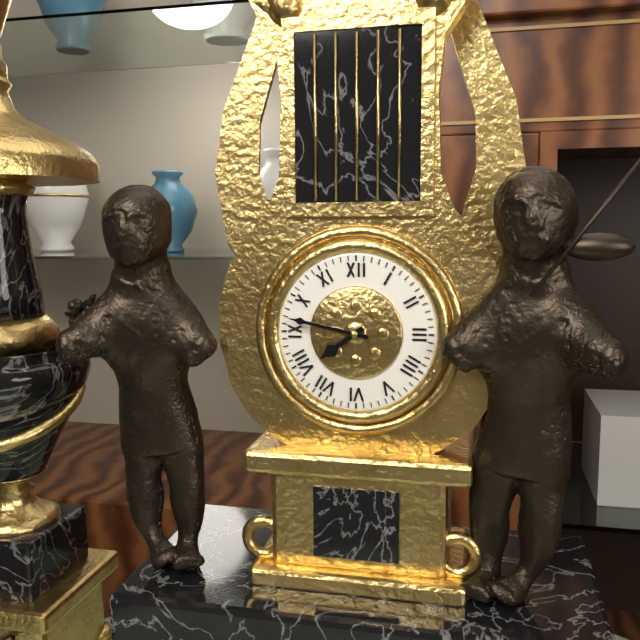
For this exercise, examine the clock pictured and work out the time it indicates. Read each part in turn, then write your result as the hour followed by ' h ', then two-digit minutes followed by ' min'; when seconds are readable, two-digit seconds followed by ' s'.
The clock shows 7 h 47 min
